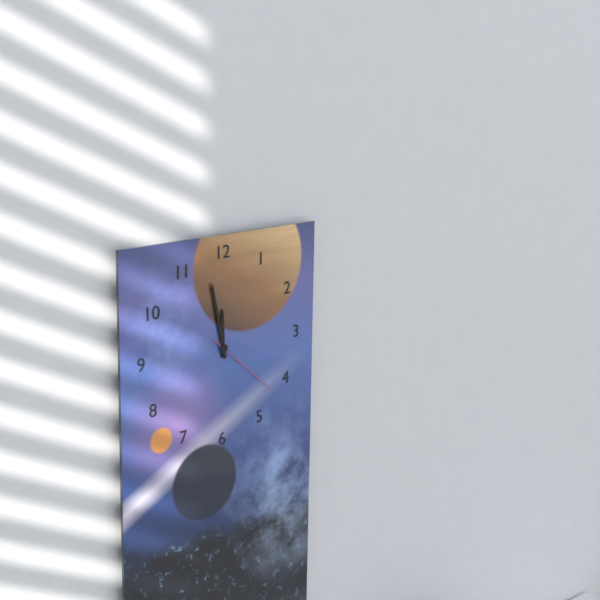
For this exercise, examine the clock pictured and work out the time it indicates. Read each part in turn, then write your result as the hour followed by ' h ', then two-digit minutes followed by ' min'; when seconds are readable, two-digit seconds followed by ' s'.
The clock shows 11 h 58 min 22 s
